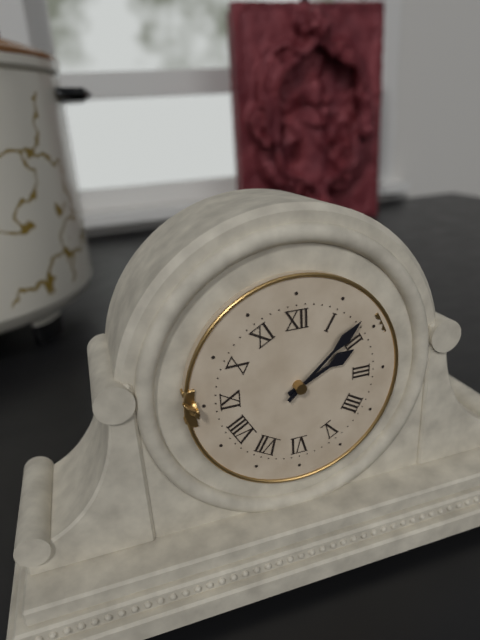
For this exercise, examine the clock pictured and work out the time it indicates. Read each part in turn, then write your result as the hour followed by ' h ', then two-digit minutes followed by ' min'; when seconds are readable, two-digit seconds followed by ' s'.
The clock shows 2 h 08 min
